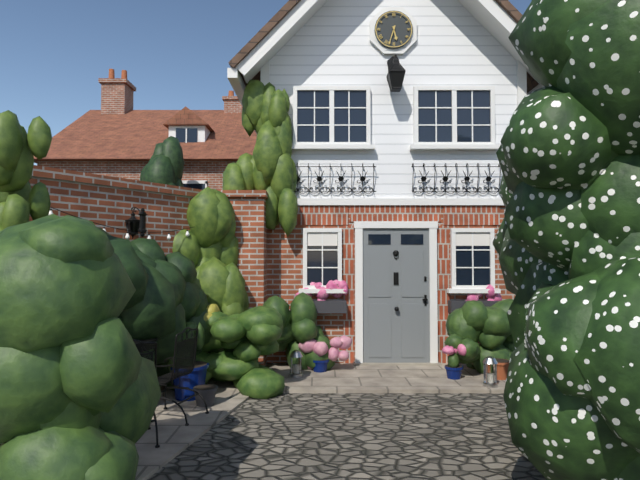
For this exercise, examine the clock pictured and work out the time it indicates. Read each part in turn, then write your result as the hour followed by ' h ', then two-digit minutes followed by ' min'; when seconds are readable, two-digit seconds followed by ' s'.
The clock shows 5 h 33 min
